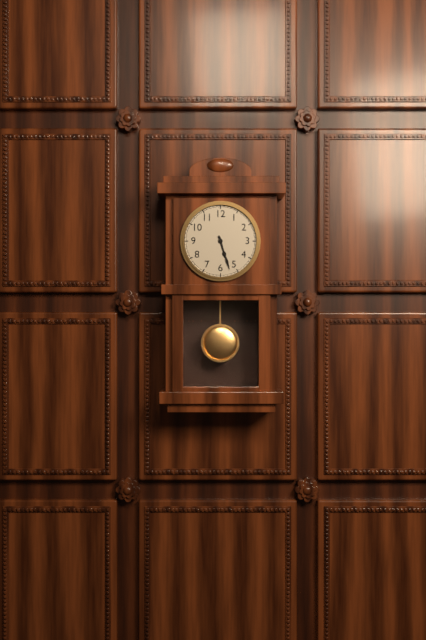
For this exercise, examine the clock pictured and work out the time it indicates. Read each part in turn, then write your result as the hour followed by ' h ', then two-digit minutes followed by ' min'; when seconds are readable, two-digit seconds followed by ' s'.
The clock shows 5 h 27 min
